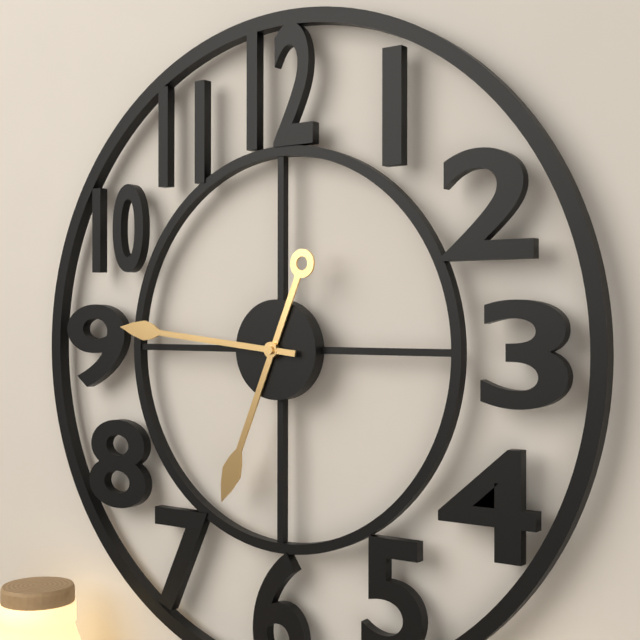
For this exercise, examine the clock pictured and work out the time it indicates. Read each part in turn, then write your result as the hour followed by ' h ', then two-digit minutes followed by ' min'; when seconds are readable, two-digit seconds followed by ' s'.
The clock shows 6 h 46 min
